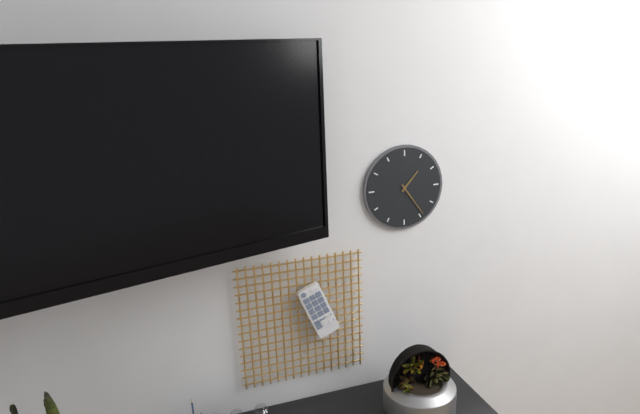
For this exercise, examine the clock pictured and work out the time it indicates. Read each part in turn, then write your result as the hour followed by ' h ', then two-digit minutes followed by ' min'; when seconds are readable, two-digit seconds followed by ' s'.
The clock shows 1 h 24 min
